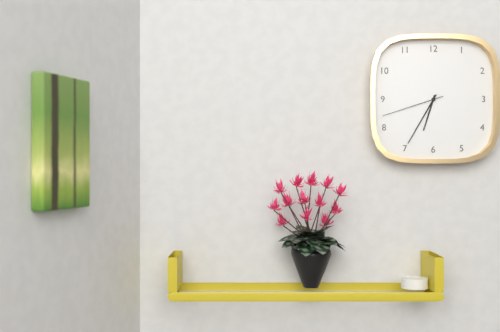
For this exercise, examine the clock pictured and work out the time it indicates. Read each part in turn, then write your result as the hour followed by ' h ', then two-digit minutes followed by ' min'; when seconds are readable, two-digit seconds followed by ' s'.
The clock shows 6 h 35 min 42 s
